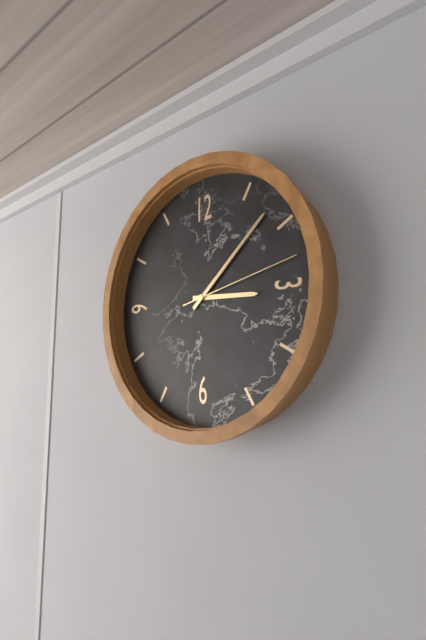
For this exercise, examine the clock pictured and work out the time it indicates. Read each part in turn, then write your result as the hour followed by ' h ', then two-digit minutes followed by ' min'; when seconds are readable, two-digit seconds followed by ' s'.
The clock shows 3 h 08 min 13 s
